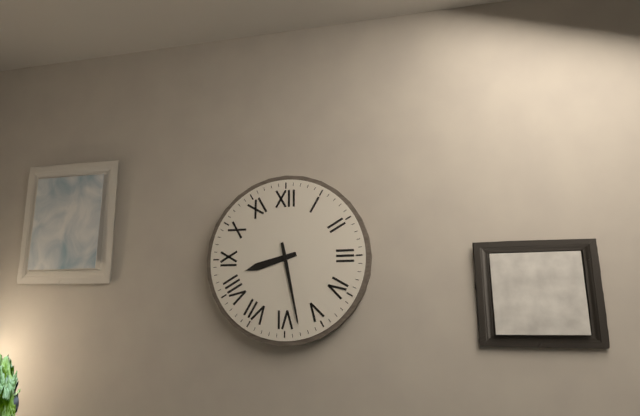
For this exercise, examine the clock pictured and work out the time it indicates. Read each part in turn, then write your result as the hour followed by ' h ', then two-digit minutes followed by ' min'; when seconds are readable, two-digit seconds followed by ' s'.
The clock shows 8 h 28 min
